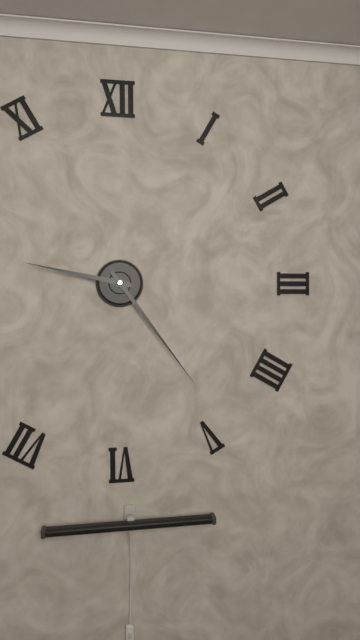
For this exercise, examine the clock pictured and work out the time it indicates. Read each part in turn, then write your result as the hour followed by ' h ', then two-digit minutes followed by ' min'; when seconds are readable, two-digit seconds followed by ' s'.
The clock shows 9 h 24 min
